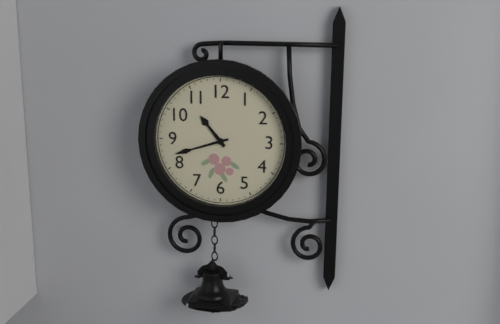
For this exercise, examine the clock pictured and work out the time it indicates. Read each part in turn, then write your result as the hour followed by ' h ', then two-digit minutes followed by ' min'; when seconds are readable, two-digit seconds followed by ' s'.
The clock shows 10 h 42 min
